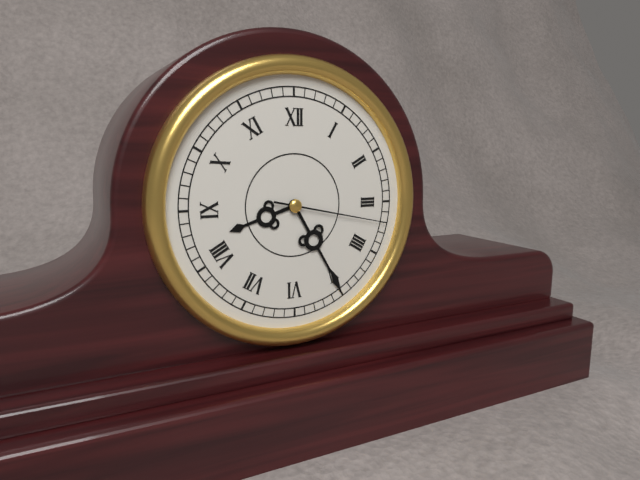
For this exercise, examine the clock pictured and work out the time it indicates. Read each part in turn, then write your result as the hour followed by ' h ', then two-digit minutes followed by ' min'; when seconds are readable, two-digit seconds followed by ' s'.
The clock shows 8 h 25 min 17 s
